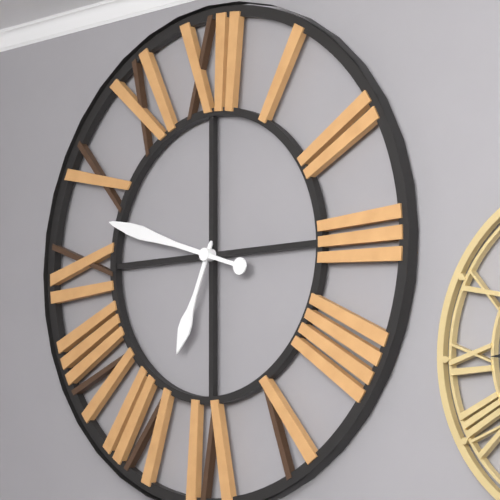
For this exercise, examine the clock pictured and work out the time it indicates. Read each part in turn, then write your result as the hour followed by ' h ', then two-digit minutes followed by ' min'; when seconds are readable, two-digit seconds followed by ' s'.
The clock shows 6 h 48 min
